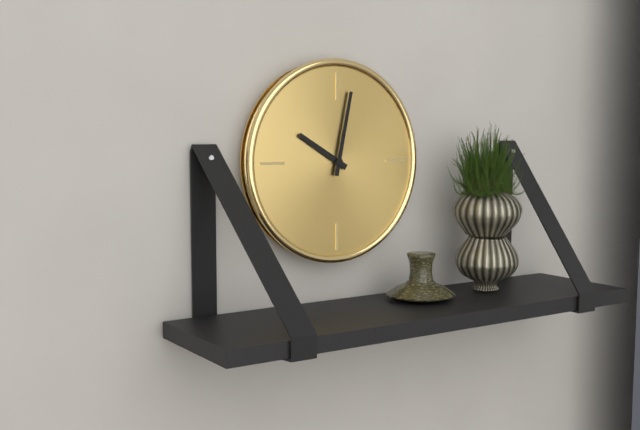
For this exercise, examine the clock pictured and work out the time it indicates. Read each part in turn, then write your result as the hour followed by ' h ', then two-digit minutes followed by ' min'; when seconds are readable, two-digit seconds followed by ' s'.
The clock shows 10 h 02 min
